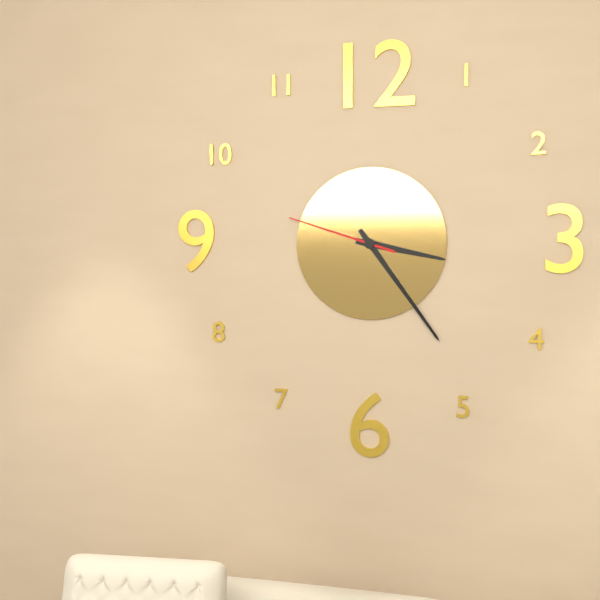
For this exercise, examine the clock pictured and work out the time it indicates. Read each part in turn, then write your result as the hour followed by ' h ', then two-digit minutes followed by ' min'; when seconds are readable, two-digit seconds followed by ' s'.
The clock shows 3 h 24 min 48 s
